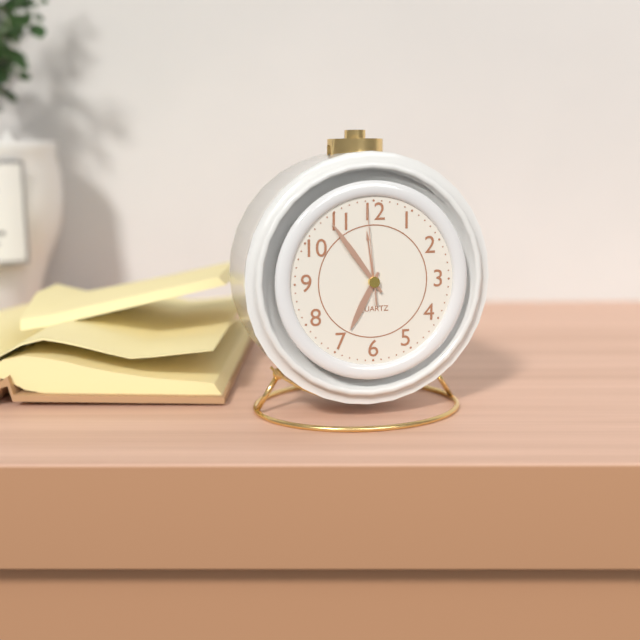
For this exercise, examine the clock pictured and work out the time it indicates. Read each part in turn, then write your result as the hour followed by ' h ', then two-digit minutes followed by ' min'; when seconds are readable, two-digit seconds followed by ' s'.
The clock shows 6 h 54 min 59 s
